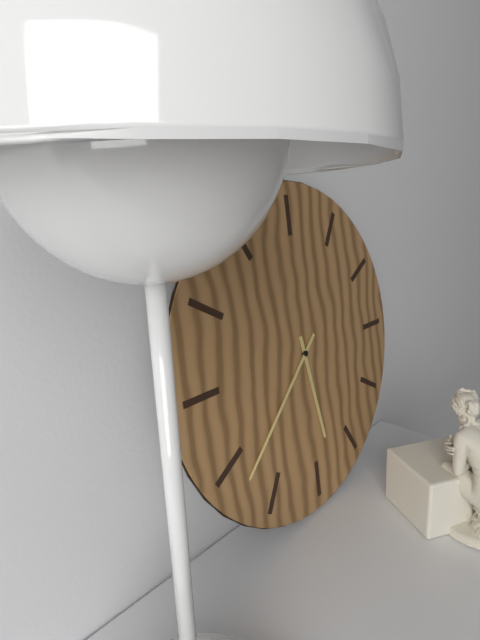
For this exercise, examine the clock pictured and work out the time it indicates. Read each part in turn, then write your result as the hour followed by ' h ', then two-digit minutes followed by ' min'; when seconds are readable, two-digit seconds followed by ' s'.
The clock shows 5 h 38 min
